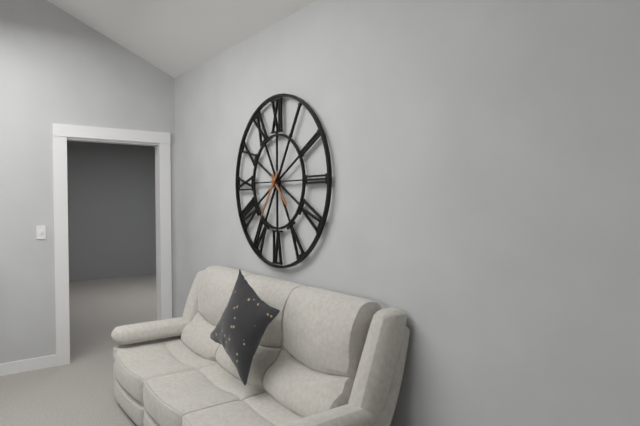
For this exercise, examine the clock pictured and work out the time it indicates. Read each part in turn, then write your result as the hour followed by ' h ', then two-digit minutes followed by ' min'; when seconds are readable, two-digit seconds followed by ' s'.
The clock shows 4 h 36 min
